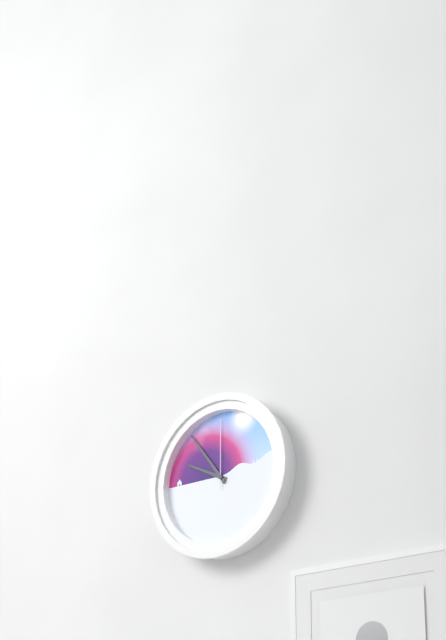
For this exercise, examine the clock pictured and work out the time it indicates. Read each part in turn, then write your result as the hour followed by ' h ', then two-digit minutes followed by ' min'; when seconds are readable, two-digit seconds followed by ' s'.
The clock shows 9 h 54 min 00 s
